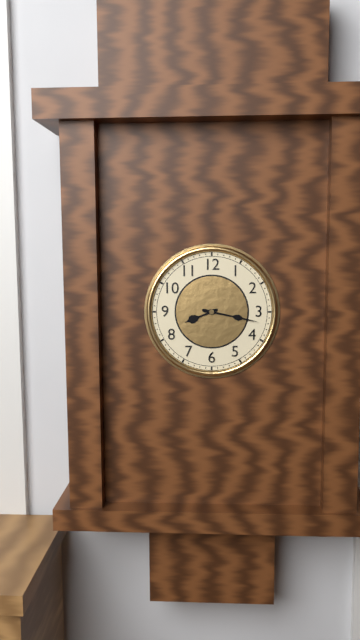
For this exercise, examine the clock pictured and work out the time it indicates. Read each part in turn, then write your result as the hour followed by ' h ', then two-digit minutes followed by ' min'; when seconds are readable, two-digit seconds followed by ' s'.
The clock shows 8 h 17 min
